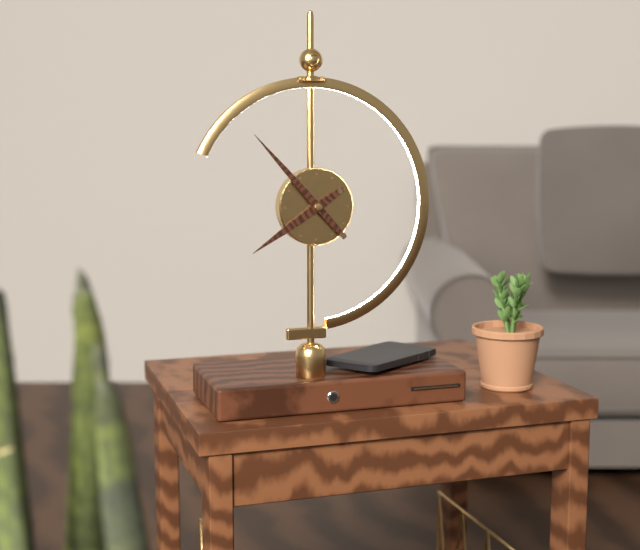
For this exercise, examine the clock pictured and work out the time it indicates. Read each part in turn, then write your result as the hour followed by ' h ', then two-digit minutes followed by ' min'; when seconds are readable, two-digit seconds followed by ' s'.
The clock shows 7 h 53 min
